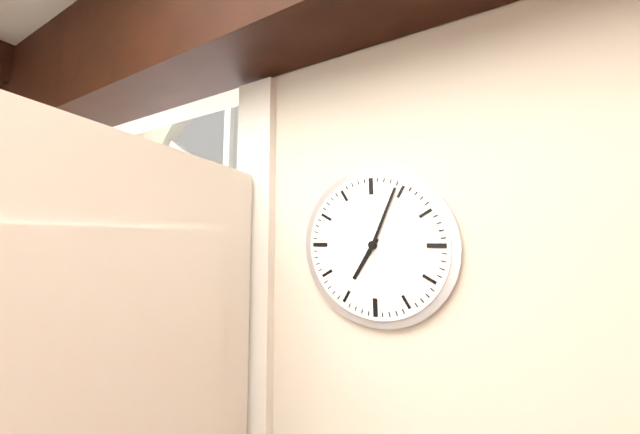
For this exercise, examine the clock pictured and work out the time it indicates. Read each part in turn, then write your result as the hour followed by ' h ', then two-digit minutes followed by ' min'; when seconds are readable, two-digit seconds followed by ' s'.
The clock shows 7 h 04 min
